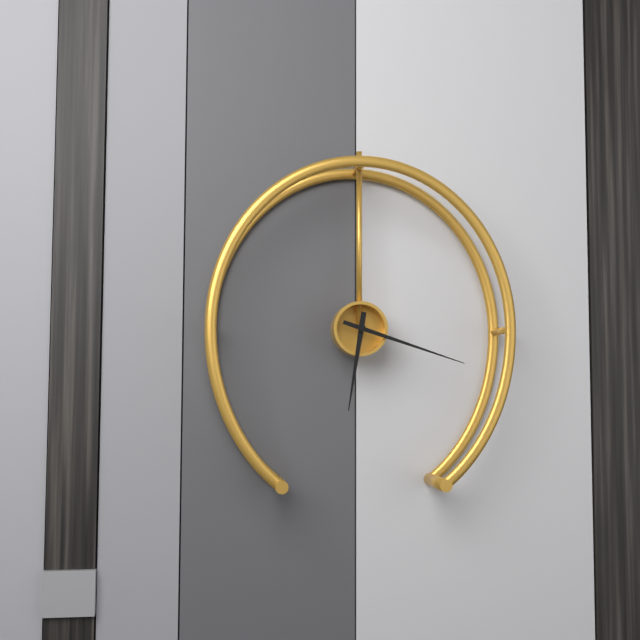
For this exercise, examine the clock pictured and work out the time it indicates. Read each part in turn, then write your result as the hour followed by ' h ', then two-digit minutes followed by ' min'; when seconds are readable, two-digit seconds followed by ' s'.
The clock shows 6 h 18 min
